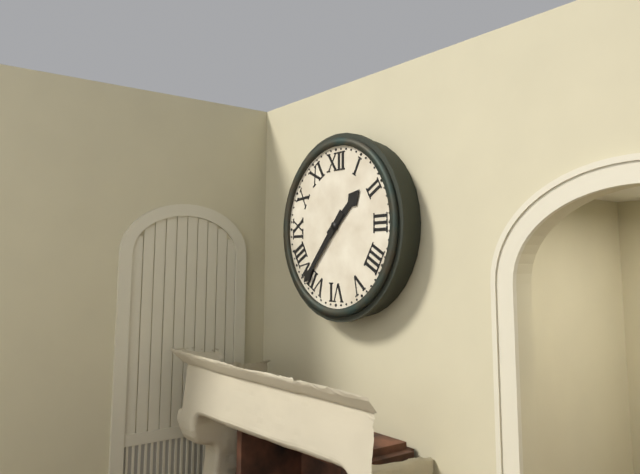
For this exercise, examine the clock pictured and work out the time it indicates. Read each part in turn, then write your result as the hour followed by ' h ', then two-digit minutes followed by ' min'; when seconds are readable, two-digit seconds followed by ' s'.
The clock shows 1 h 37 min
